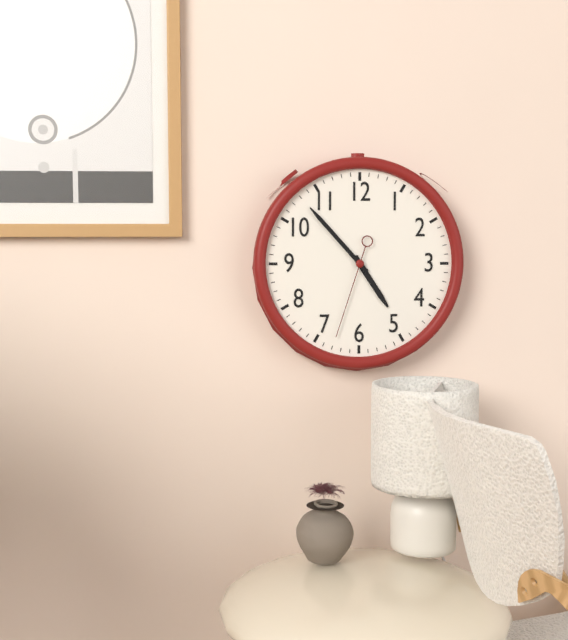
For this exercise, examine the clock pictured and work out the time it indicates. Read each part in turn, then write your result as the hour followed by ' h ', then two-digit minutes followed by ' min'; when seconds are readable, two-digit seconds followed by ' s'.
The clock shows 4 h 53 min 33 s
